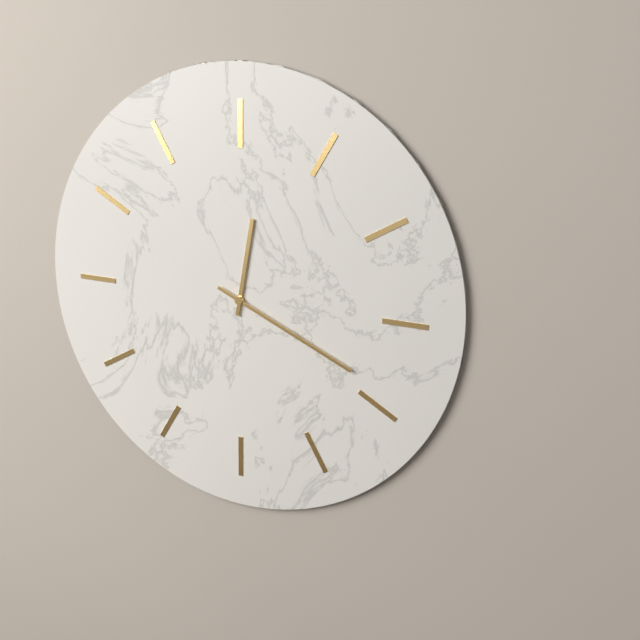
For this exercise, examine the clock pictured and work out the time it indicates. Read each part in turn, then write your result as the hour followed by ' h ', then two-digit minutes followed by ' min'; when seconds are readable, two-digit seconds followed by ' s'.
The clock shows 12 h 19 min
